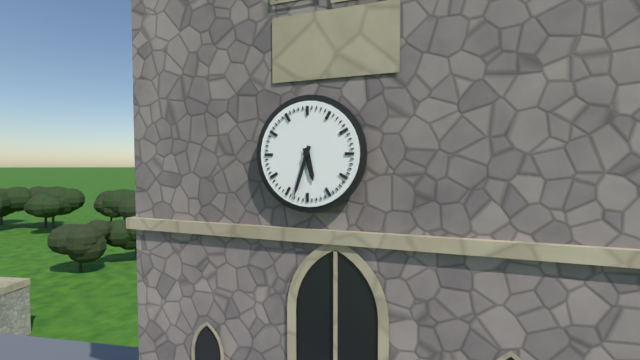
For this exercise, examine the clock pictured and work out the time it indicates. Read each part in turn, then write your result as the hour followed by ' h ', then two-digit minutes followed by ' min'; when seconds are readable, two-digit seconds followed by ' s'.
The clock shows 5 h 33 min
